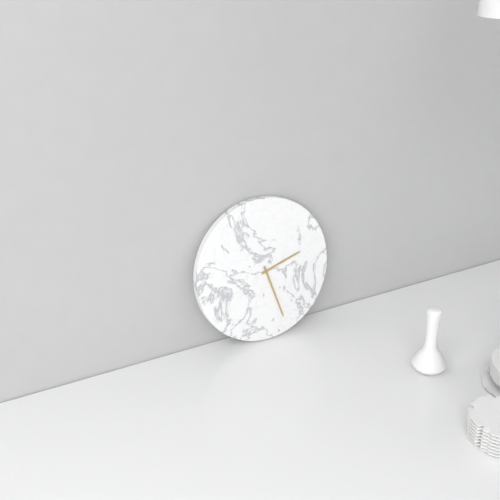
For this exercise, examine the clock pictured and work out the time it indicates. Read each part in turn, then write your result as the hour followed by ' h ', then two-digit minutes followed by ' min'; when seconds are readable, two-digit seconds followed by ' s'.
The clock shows 2 h 27 min
